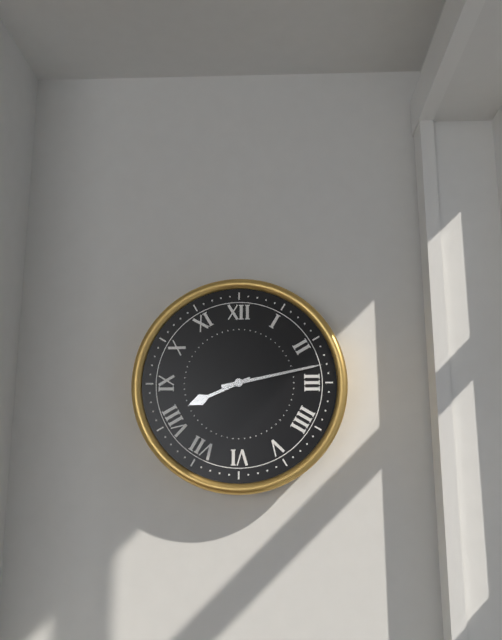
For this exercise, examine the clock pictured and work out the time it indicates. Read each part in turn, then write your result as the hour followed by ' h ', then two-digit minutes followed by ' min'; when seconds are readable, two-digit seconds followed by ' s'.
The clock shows 8 h 13 min
